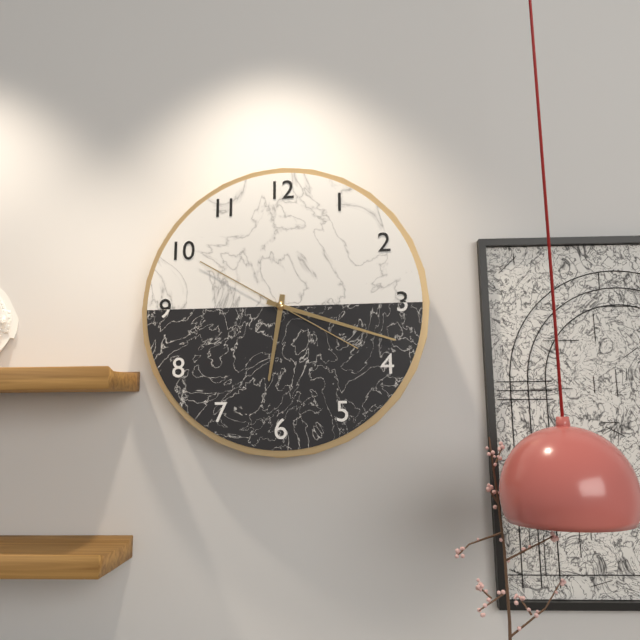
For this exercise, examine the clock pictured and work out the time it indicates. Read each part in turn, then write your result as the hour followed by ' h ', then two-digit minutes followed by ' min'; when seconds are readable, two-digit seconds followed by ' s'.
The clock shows 6 h 18 min 50 s
